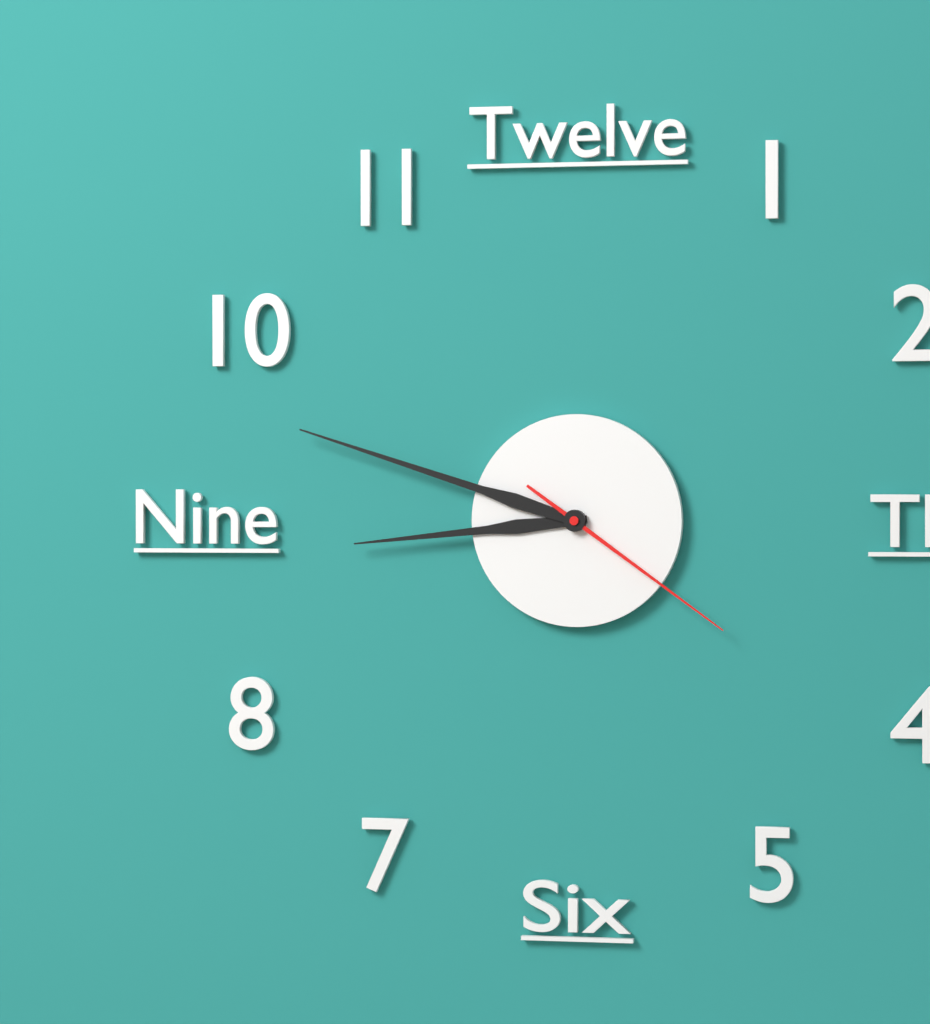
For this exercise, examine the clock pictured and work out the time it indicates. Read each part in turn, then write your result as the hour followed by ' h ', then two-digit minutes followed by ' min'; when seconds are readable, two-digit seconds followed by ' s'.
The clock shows 8 h 48 min 21 s
